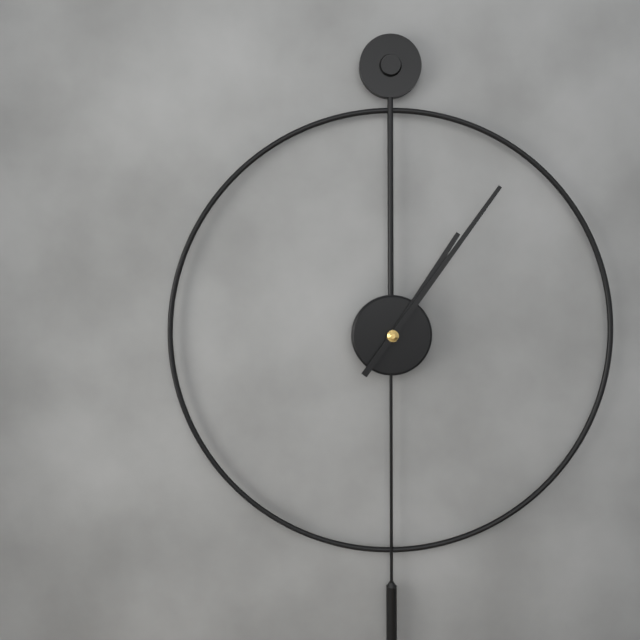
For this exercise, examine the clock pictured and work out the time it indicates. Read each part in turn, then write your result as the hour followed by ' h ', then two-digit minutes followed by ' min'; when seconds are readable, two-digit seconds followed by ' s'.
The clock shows 1 h 06 min
